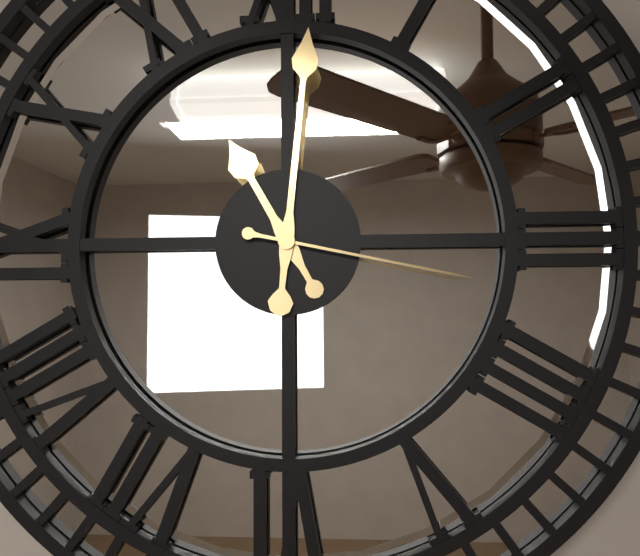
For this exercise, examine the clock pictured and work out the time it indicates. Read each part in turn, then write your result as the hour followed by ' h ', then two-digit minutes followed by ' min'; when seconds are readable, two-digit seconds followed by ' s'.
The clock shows 11 h 01 min 17 s
